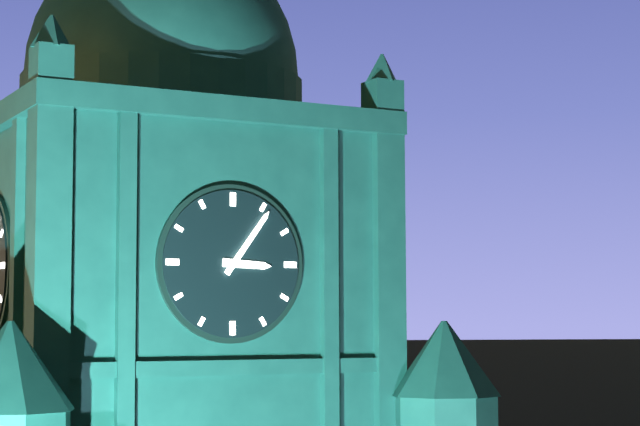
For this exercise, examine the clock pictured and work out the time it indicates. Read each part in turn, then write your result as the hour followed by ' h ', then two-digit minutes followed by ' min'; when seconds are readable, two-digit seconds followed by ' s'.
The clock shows 3 h 06 min
